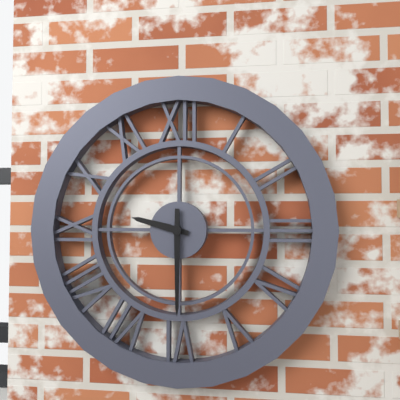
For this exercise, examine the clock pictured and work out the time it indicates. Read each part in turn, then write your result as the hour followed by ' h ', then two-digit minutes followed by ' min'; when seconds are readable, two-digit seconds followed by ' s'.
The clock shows 9 h 30 min
